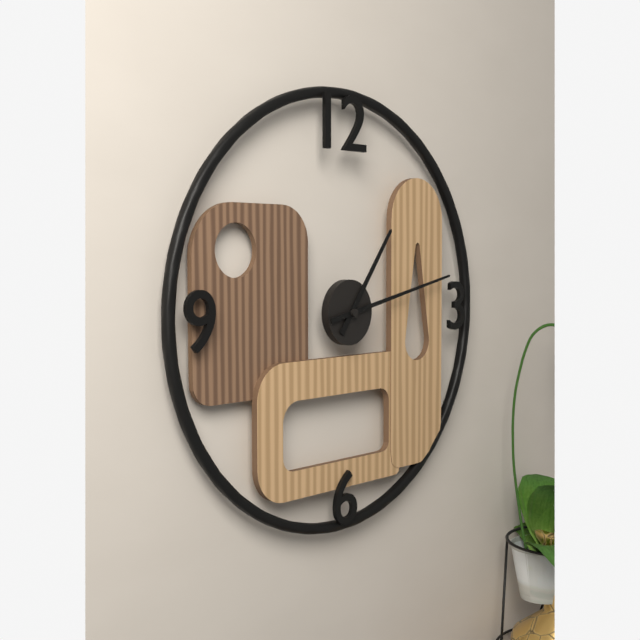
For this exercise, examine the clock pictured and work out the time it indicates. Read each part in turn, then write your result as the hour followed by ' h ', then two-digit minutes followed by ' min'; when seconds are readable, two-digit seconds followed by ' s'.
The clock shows 1 h 13 min
